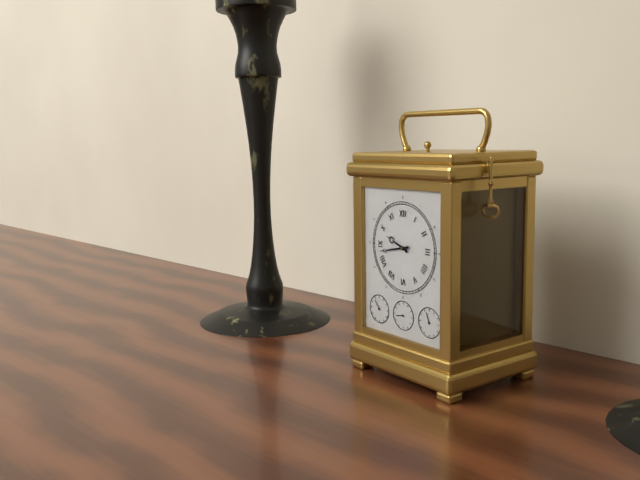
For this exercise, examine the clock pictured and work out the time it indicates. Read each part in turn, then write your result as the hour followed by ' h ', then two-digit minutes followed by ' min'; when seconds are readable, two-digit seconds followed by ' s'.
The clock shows 9 h 43 min
